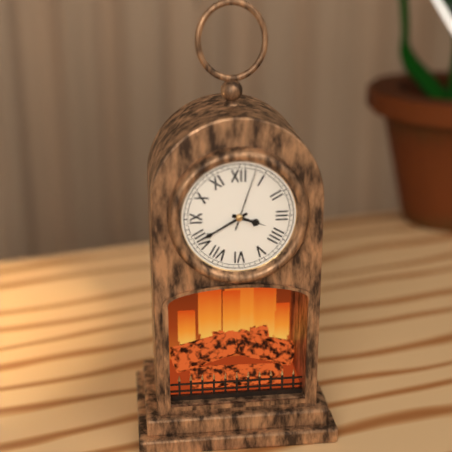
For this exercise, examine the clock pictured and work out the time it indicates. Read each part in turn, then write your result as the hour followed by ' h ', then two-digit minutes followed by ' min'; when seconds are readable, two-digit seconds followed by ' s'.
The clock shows 3 h 40 min
